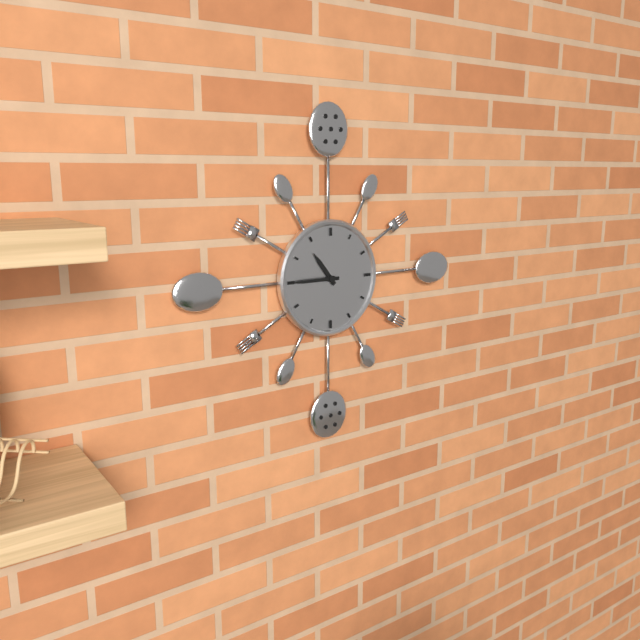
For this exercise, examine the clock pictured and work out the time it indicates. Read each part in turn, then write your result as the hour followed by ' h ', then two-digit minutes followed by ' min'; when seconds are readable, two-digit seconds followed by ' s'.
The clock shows 10 h 45 min
